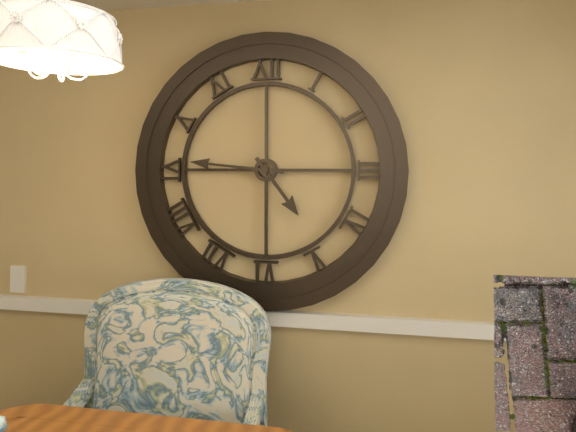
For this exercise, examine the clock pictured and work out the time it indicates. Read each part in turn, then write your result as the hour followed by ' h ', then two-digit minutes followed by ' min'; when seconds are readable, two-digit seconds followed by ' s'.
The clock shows 4 h 46 min
